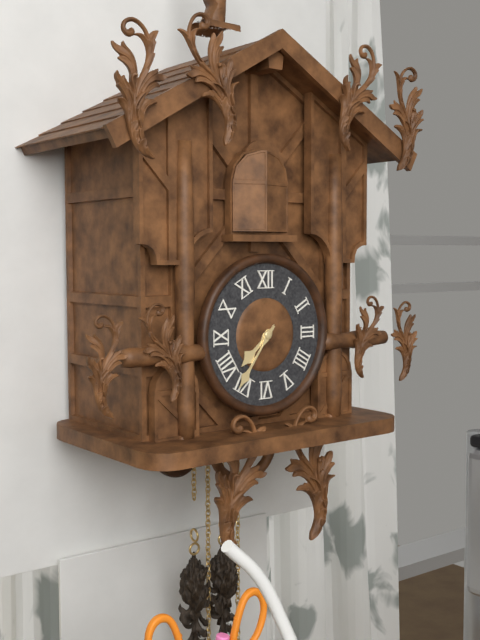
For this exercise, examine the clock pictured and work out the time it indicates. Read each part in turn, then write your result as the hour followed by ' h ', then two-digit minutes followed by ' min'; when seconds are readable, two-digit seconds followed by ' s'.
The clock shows 7 h 36 min
